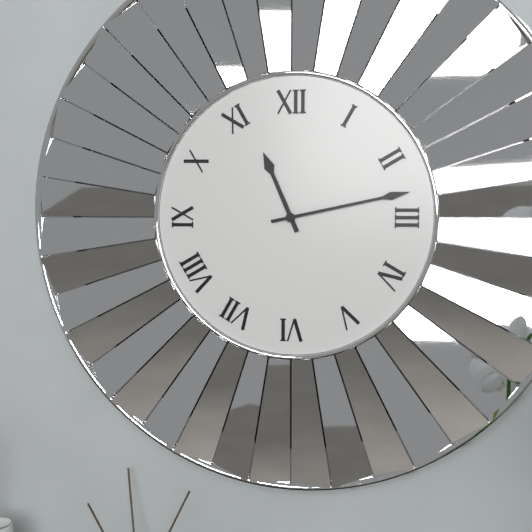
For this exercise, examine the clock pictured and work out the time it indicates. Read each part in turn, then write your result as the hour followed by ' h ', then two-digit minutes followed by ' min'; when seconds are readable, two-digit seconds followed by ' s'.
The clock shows 11 h 13 min
